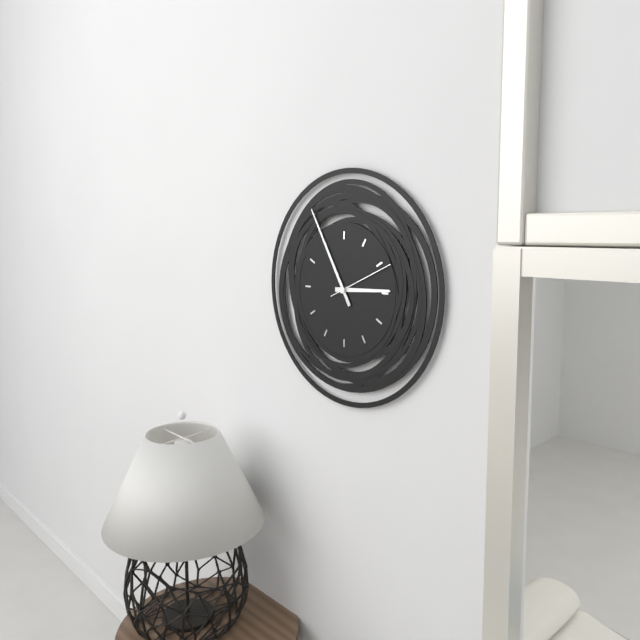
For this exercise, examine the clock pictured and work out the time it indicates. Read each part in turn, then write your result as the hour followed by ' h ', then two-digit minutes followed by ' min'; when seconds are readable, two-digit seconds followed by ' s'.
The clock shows 2 h 55 min 11 s
